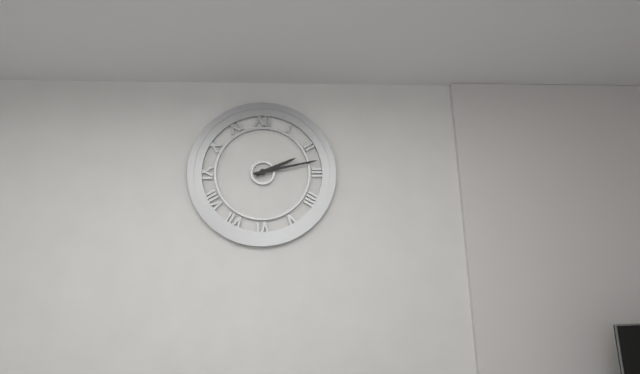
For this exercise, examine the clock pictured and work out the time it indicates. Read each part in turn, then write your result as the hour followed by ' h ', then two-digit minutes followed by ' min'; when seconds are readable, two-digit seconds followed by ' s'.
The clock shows 2 h 13 min
